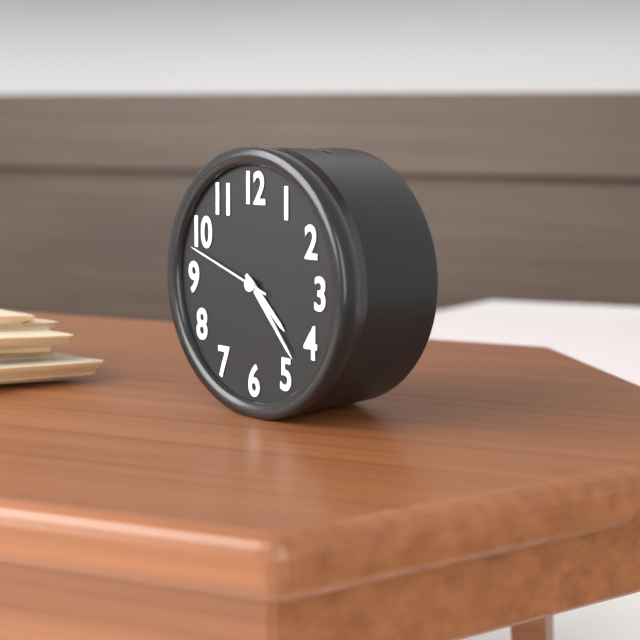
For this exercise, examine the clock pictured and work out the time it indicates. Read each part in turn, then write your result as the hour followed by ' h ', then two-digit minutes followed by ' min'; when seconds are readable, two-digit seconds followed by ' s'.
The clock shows 4 h 23 min 48 s
